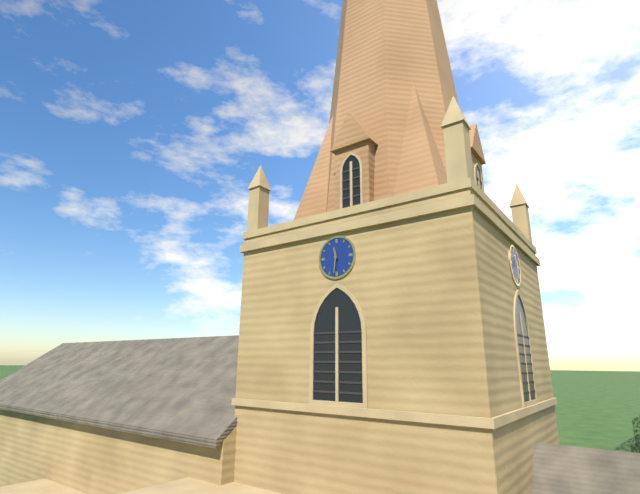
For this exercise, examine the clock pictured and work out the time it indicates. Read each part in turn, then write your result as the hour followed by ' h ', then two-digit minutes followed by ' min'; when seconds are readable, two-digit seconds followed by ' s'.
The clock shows 11 h 31 min
